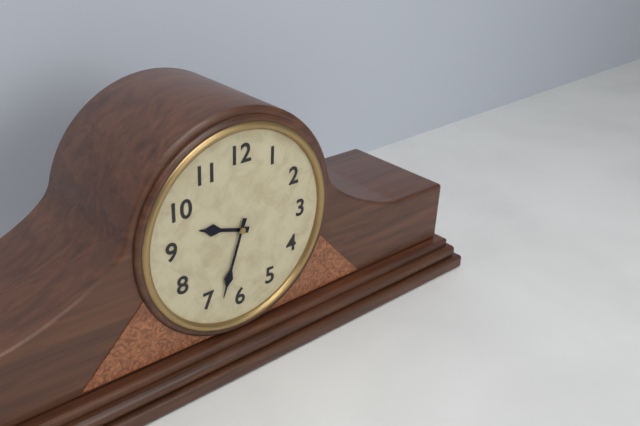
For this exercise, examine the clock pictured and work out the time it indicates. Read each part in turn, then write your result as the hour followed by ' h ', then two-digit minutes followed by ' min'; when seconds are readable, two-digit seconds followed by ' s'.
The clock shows 9 h 33 min
